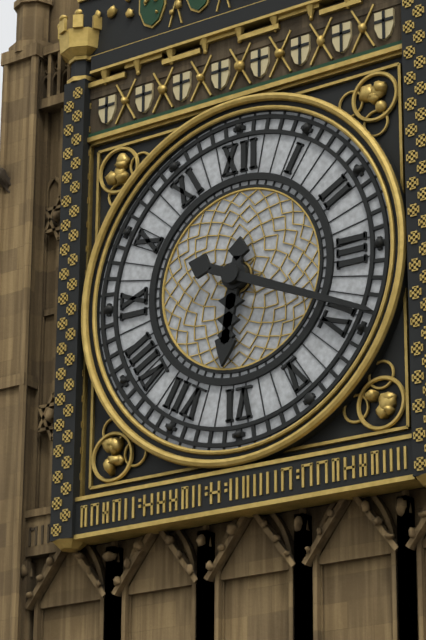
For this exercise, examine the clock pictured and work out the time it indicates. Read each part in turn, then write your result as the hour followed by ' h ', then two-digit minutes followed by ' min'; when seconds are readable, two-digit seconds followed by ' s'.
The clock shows 6 h 19 min
